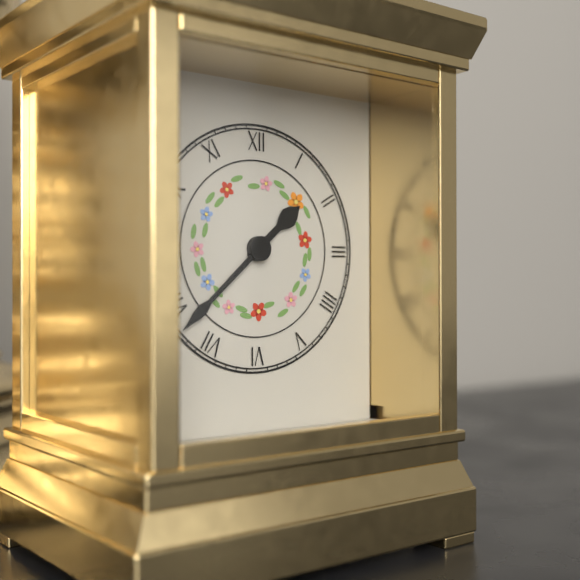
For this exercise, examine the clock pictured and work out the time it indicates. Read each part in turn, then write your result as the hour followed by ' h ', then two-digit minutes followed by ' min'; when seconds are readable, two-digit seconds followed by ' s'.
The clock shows 1 h 38 min
